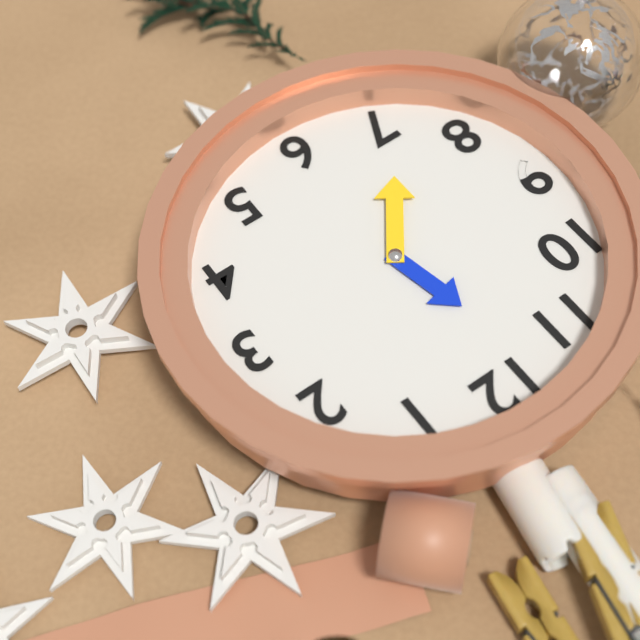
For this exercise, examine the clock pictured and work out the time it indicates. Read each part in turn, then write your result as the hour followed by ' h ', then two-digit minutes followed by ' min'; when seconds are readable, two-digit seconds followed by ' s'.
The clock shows 11 h 36 min
